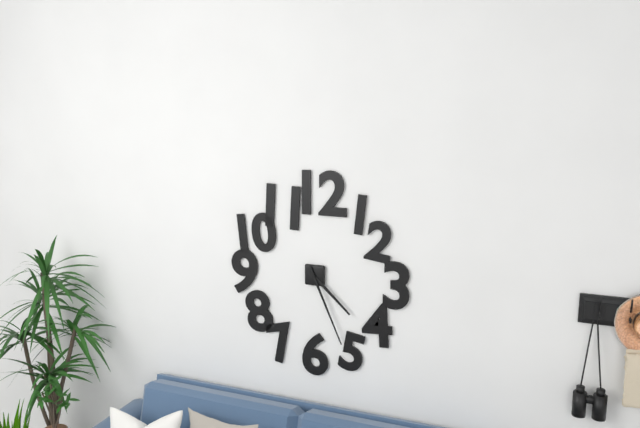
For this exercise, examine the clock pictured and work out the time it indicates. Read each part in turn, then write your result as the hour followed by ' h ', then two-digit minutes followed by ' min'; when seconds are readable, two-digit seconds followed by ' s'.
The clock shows 4 h 26 min
